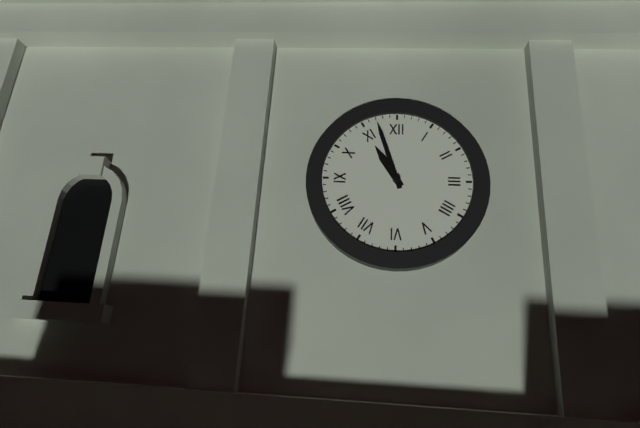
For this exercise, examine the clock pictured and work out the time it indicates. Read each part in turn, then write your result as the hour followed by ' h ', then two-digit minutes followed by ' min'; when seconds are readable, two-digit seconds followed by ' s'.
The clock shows 10 h 57 min
